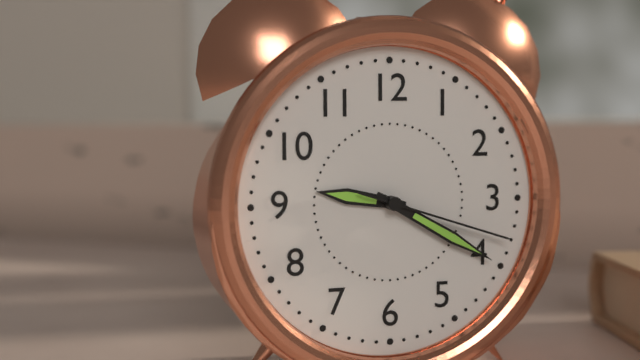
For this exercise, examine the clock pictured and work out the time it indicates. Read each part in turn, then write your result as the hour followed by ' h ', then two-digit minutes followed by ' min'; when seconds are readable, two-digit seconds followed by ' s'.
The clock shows 9 h 20 min 18 s
